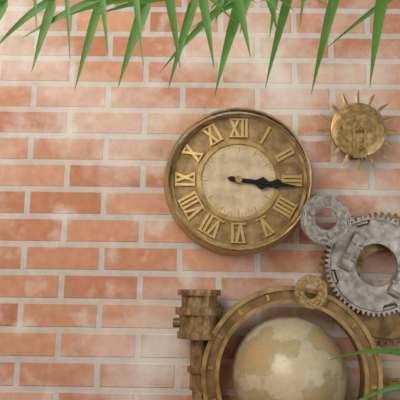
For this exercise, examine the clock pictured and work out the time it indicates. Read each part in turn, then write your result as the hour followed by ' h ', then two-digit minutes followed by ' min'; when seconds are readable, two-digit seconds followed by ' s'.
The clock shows 3 h 16 min
